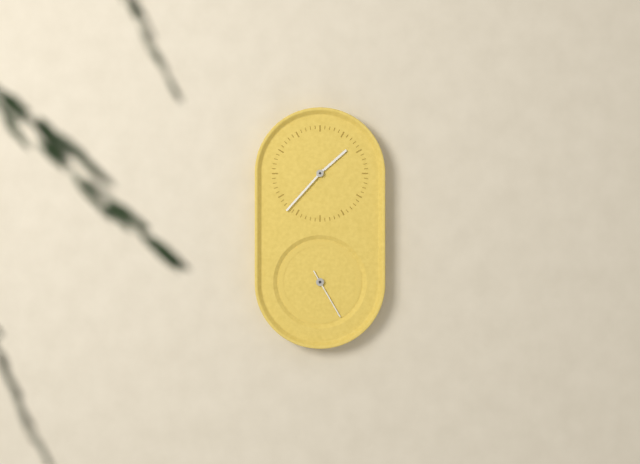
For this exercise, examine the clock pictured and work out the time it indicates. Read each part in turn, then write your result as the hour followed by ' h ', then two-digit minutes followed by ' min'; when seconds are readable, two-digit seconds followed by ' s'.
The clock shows 1 h 37 min 25 s
